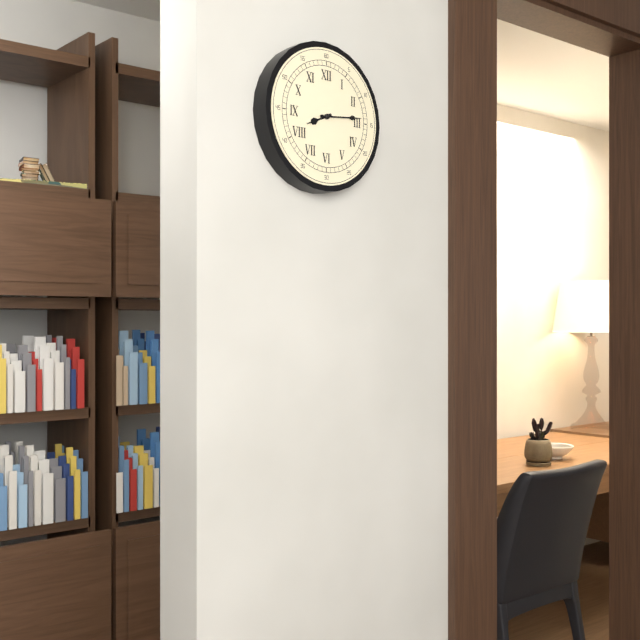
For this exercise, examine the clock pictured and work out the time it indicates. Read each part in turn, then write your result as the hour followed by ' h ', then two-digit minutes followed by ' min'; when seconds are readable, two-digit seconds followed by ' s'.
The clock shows 8 h 14 min
